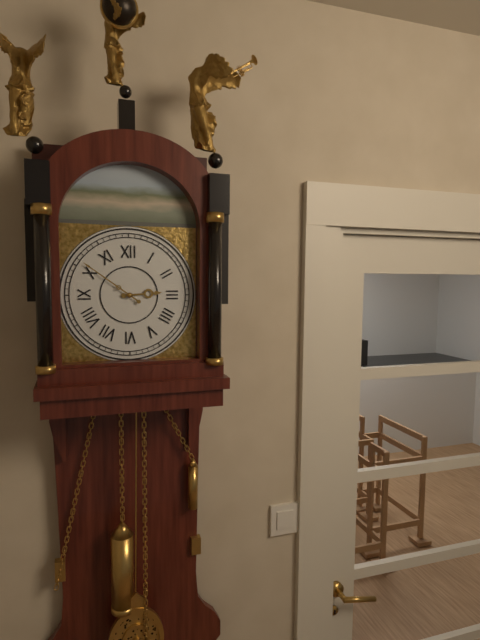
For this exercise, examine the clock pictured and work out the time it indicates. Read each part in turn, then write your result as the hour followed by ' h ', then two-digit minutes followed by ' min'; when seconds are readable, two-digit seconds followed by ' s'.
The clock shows 2 h 51 min
